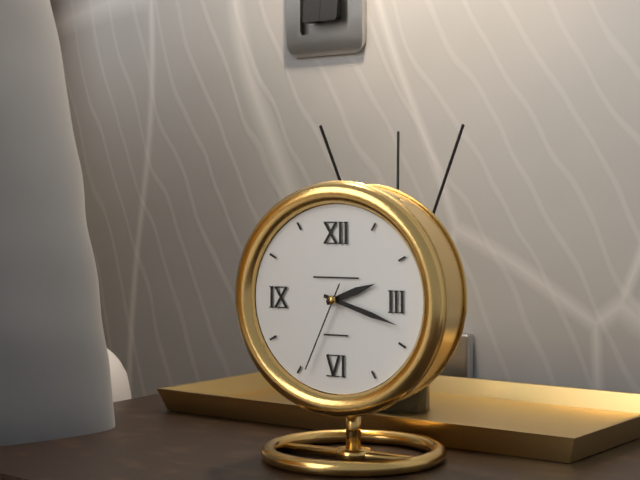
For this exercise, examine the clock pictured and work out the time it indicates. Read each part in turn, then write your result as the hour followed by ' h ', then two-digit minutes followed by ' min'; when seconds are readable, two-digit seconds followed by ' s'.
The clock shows 2 h 18 min 34 s
